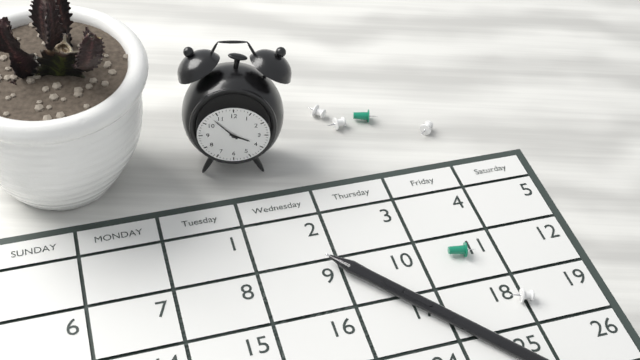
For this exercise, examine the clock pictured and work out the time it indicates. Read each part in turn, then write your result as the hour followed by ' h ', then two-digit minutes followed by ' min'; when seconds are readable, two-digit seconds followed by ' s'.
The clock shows 3 h 53 min
